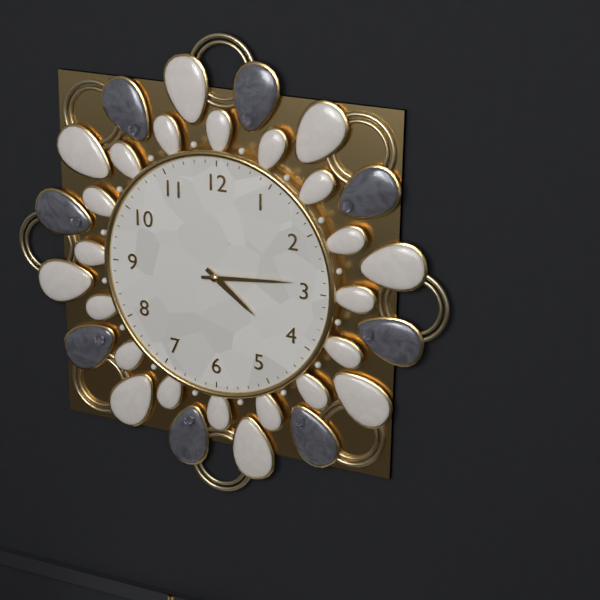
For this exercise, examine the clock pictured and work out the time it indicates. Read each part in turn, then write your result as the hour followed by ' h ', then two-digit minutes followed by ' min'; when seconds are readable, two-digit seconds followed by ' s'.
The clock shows 4 h 14 min
